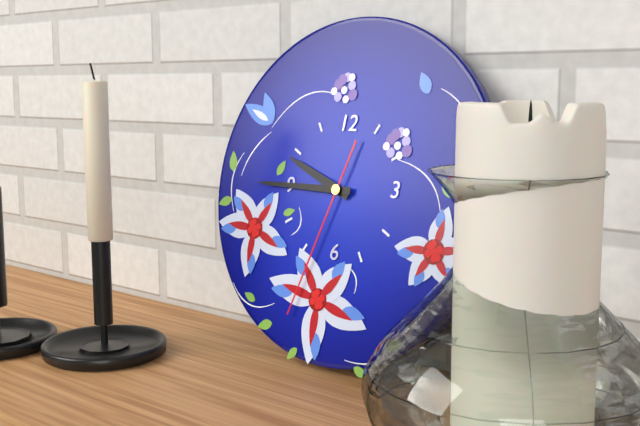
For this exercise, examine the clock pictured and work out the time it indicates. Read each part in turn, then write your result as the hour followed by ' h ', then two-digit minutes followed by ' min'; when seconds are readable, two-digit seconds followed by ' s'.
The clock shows 9 h 45 min 33 s
